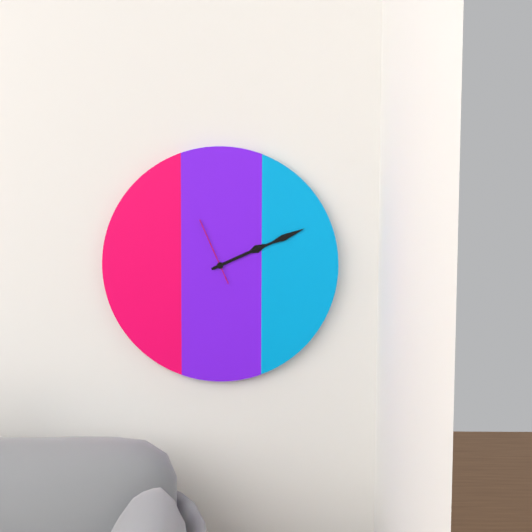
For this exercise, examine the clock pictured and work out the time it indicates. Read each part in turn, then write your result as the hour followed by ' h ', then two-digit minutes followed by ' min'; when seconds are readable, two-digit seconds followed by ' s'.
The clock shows 2 h 11 min 56 s
